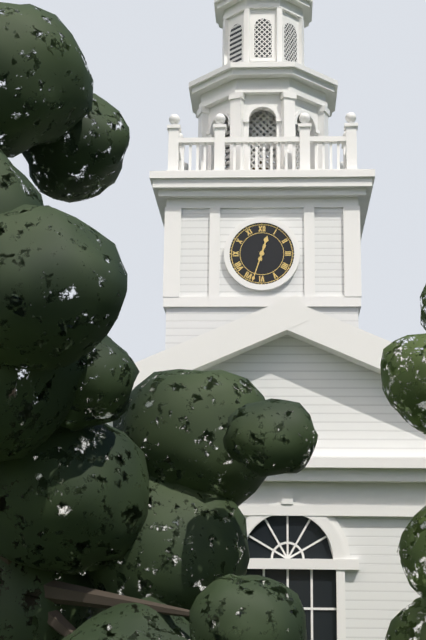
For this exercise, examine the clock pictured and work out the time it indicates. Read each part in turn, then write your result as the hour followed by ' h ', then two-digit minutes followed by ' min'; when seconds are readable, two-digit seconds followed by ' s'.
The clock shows 12 h 33 min
